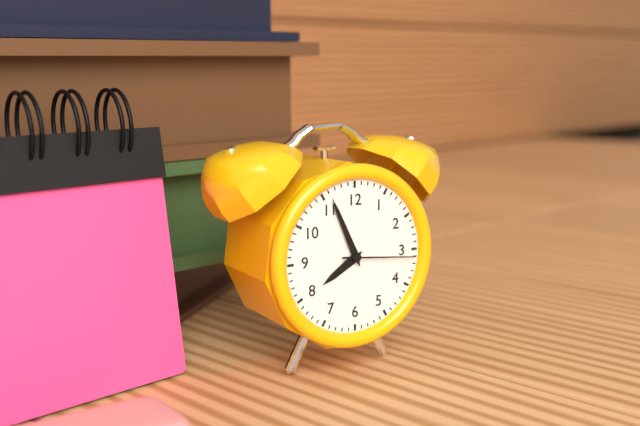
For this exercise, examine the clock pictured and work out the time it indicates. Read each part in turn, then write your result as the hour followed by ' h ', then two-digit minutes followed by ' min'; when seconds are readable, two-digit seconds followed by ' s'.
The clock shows 7 h 56 min 16 s
